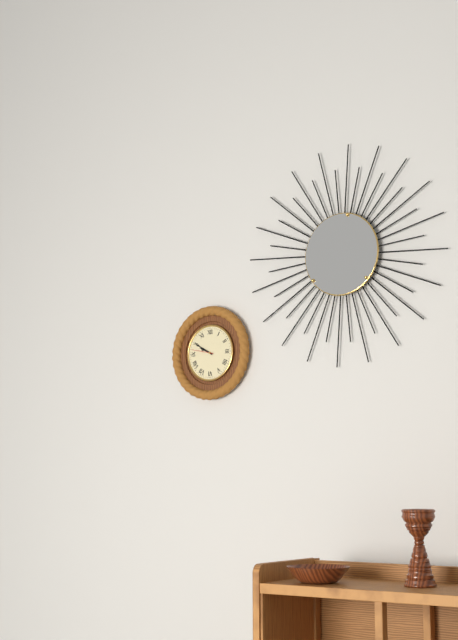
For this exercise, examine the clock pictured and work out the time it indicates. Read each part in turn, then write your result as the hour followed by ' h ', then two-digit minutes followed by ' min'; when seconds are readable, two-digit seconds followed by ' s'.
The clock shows 9 h 50 min
